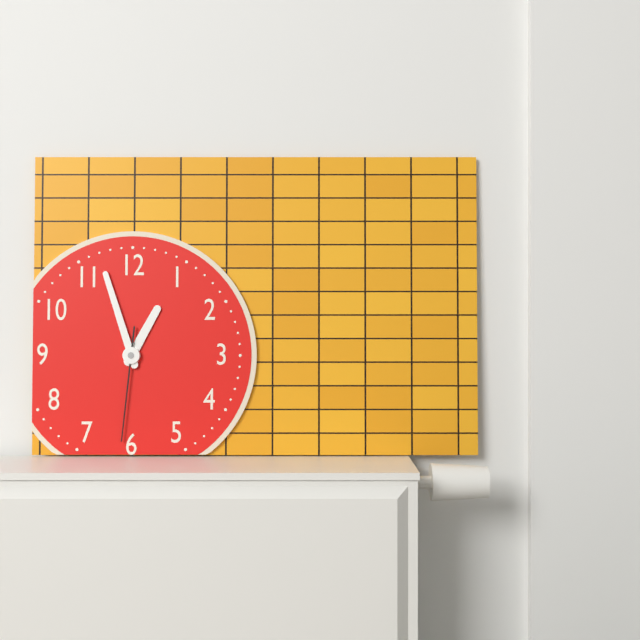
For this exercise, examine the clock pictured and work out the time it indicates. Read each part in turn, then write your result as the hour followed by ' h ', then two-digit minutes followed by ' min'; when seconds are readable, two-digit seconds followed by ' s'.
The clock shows 12 h 57 min 31 s
